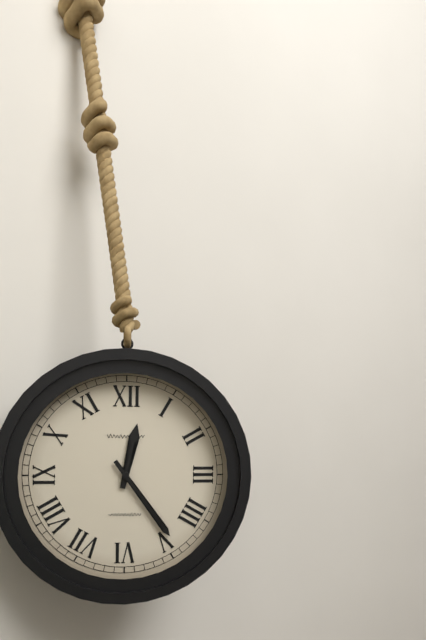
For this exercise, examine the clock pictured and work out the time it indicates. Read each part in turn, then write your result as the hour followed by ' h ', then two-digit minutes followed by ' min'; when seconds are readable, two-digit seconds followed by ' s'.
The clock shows 12 h 24 min
